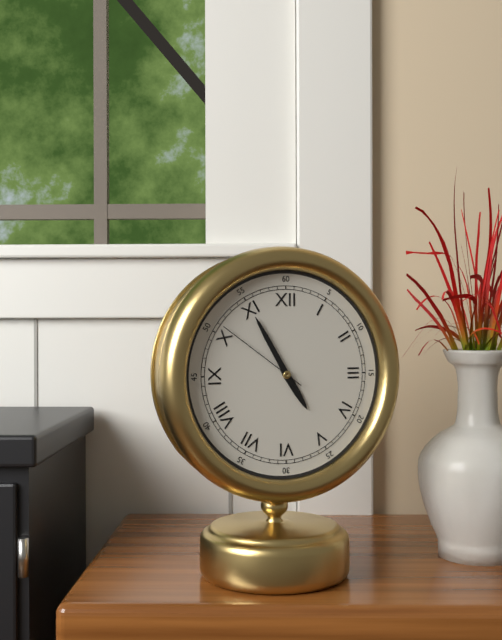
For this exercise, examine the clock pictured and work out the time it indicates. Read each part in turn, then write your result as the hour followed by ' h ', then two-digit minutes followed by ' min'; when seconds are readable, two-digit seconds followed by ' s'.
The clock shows 4 h 55 min 51 s
